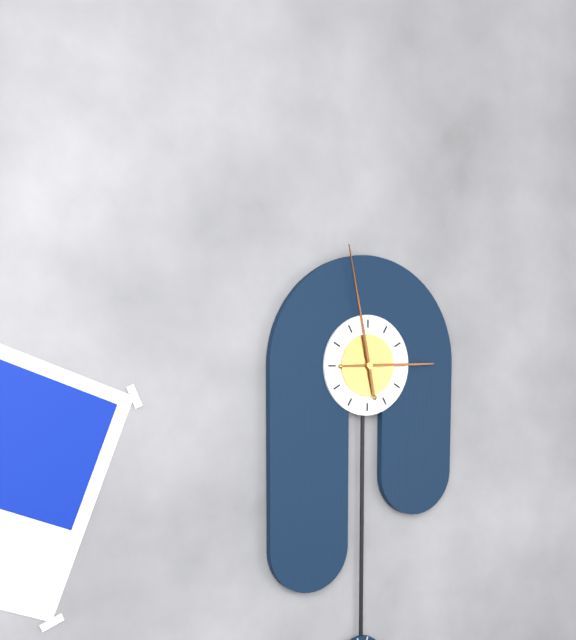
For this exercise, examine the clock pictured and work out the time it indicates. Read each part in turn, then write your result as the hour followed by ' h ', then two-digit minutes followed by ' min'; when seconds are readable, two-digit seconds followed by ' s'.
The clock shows 2 h 58 min
